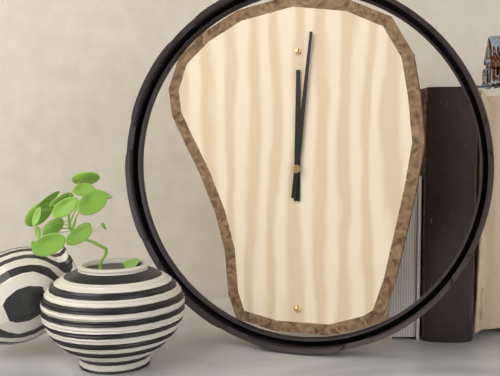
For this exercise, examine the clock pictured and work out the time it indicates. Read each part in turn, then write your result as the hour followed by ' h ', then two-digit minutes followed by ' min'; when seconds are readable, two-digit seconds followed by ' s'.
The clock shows 12 h 01 min
